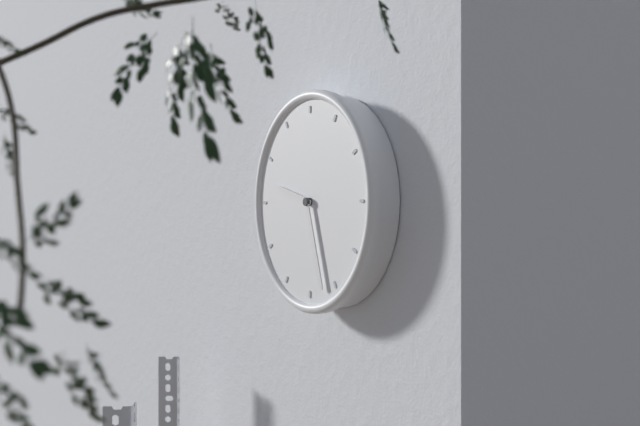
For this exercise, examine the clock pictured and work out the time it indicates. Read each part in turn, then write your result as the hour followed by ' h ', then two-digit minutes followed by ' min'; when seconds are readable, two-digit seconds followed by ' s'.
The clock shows 9 h 27 min
